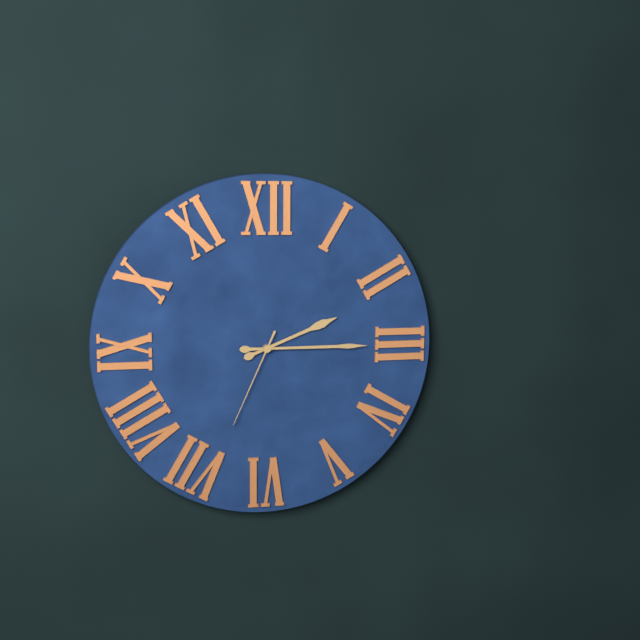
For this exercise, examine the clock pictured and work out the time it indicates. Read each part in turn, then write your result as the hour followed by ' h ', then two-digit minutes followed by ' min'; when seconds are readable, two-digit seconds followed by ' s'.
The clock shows 2 h 15 min 34 s
